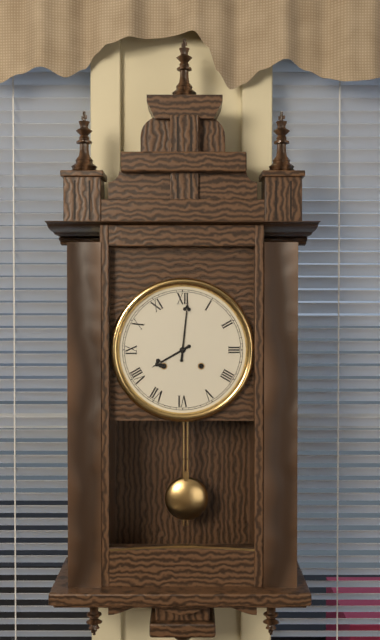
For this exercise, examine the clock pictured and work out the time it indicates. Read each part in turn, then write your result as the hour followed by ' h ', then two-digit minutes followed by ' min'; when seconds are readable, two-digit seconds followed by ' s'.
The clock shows 8 h 01 min
